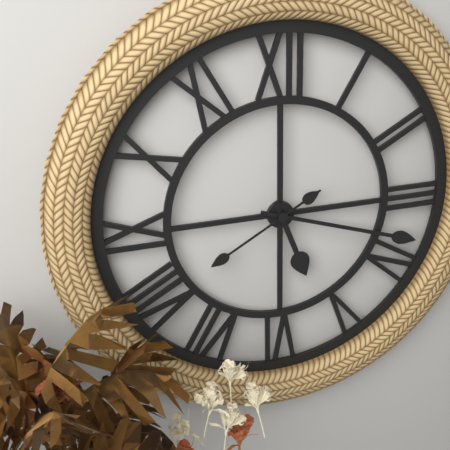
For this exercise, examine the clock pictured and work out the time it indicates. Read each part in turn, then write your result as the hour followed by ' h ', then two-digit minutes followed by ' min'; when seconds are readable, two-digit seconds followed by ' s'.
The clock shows 5 h 18 min 40 s
